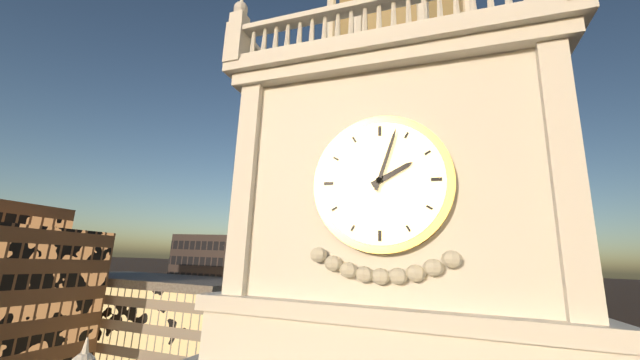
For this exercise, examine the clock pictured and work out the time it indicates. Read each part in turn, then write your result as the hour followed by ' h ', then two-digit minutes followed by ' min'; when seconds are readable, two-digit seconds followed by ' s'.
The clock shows 2 h 03 min
